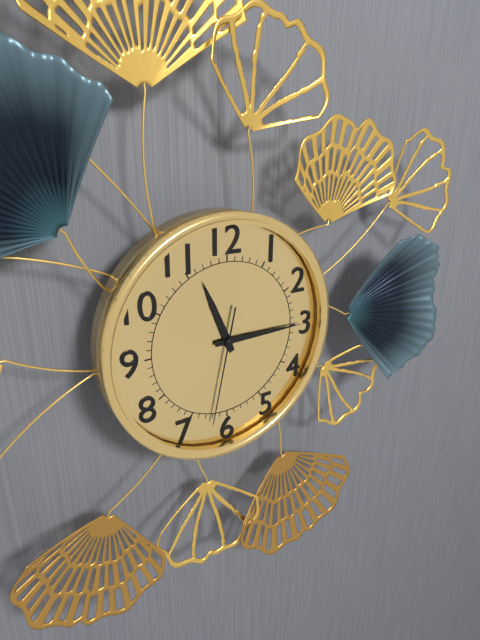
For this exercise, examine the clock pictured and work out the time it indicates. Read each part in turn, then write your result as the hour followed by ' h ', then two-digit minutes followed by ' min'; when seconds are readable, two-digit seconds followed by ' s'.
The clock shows 11 h 15 min 32 s
